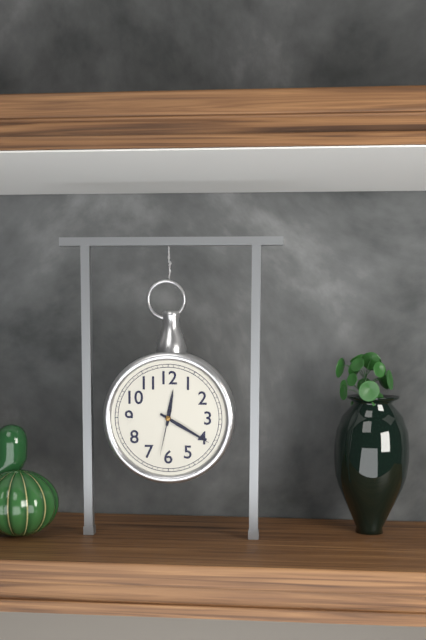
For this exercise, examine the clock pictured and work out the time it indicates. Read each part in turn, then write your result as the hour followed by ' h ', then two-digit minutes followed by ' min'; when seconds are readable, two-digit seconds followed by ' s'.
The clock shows 12 h 20 min
